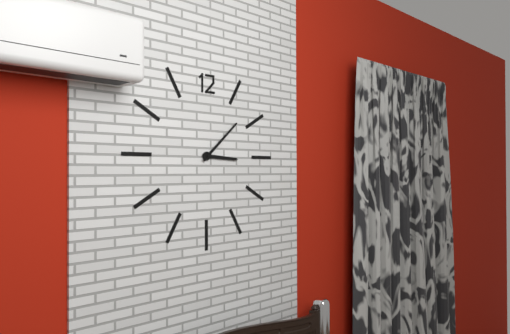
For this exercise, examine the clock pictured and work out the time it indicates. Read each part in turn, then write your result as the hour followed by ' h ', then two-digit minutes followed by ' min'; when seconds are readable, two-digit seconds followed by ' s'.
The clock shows 3 h 08 min
